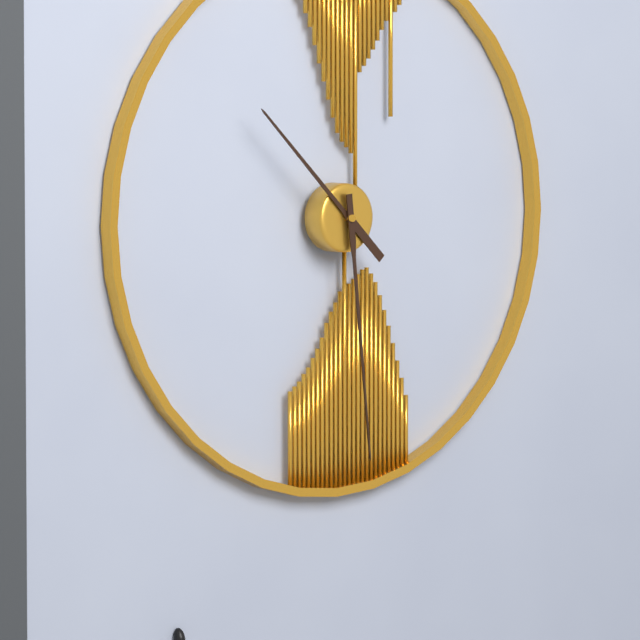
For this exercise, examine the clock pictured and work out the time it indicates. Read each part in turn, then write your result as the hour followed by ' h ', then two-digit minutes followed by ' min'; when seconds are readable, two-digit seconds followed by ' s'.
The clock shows 10 h 29 min
